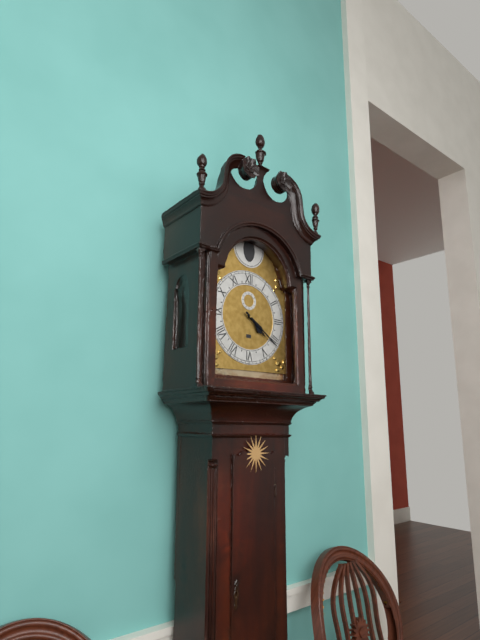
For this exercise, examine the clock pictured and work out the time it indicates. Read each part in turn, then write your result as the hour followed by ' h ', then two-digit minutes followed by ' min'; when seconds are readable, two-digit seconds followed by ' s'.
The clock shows 4 h 21 min
